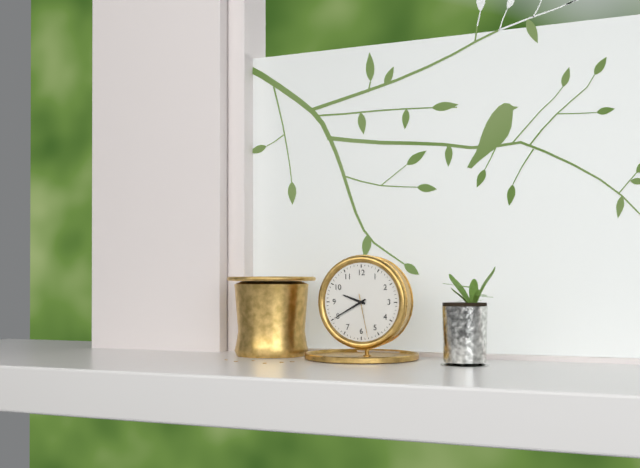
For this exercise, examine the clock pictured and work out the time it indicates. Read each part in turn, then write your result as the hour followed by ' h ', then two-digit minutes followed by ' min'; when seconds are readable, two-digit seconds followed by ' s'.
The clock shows 9 h 40 min
